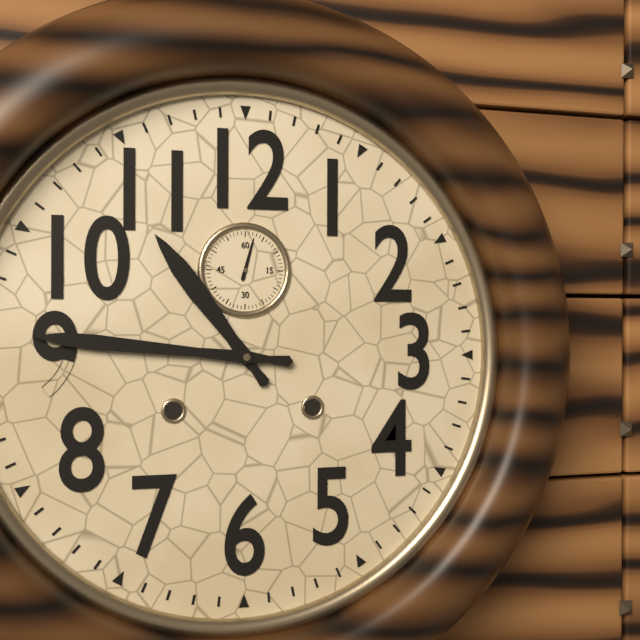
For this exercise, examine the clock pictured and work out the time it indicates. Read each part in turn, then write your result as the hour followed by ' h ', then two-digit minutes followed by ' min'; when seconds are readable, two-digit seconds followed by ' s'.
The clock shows 10 h 46 min
